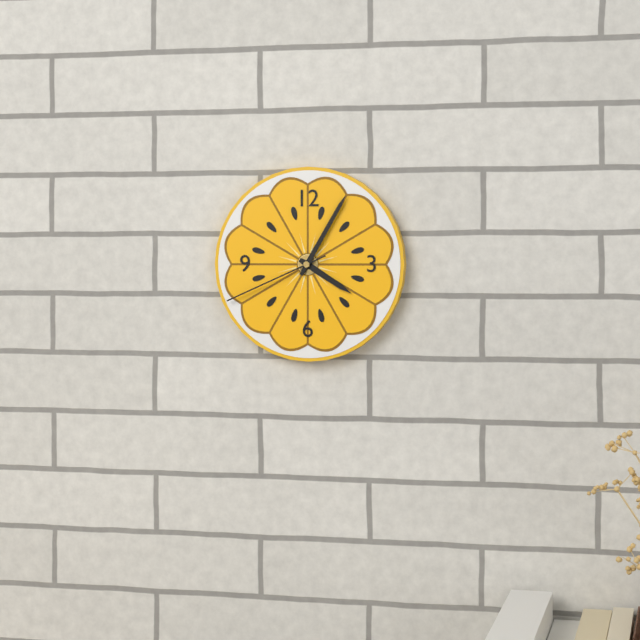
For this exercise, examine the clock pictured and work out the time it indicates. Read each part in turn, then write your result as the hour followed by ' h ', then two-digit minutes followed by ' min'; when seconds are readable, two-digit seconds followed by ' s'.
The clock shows 4 h 05 min 41 s
